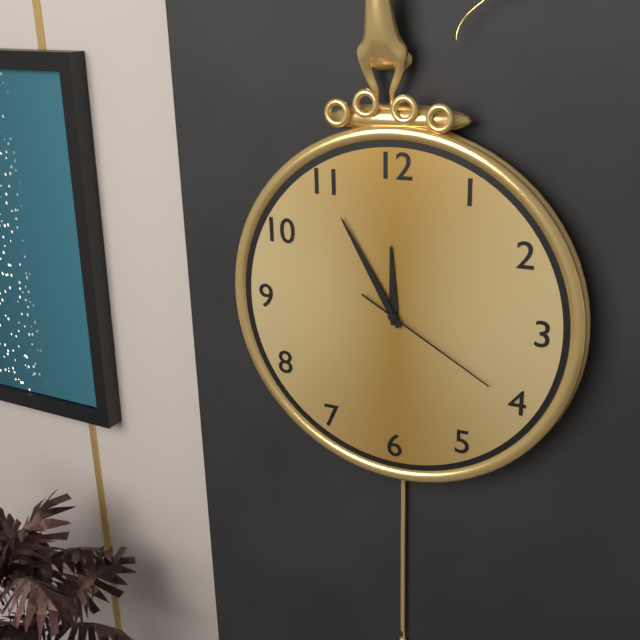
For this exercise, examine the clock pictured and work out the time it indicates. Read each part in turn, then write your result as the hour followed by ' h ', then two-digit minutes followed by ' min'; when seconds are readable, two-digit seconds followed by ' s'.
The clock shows 11 h 55 min 20 s
